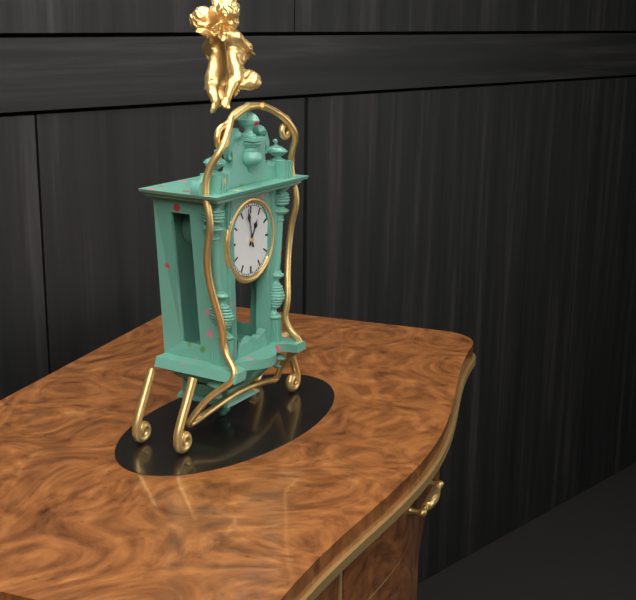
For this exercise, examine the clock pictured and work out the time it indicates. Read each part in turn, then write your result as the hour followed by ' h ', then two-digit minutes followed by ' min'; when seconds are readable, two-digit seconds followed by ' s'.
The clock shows 12 h 58 min
